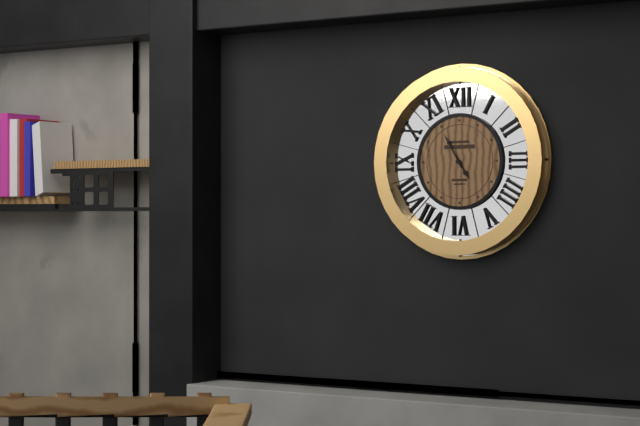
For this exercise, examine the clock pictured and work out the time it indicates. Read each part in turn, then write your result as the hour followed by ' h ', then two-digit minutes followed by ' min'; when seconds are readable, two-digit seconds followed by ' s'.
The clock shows 4 h 55 min
